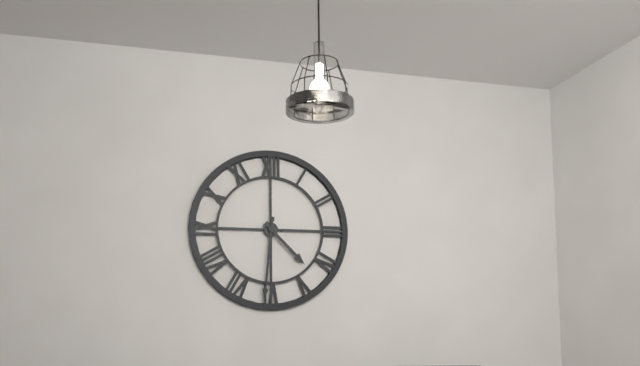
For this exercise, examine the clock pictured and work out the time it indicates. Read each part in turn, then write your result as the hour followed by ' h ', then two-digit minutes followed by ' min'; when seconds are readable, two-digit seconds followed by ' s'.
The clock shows 4 h 31 min
